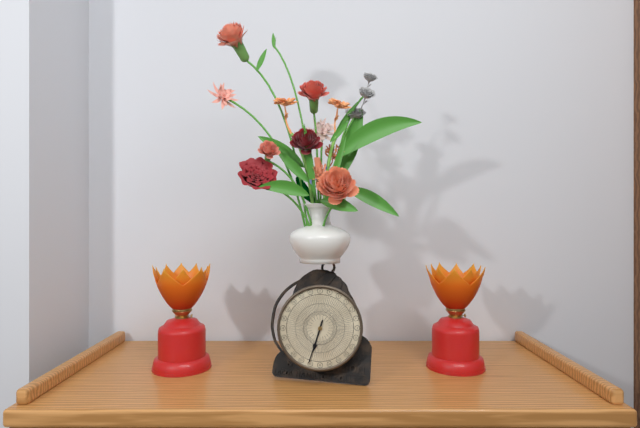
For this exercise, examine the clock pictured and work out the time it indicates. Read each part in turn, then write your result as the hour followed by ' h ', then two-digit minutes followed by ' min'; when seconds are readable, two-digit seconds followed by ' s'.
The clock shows 6 h 33 min
